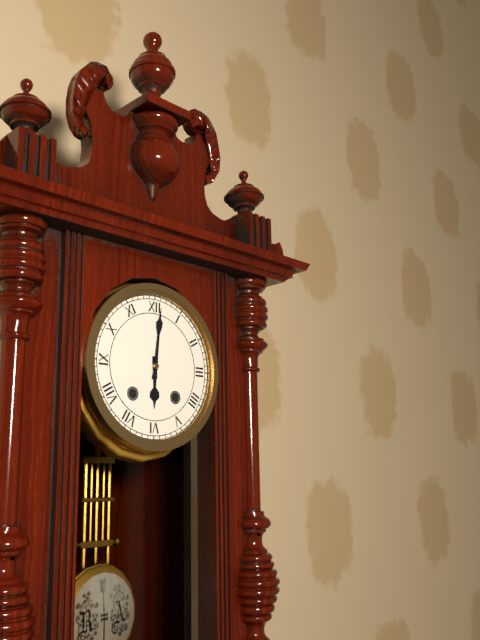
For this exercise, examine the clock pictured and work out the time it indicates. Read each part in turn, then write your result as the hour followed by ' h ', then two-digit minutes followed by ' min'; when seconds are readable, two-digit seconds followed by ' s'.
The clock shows 6 h 01 min
